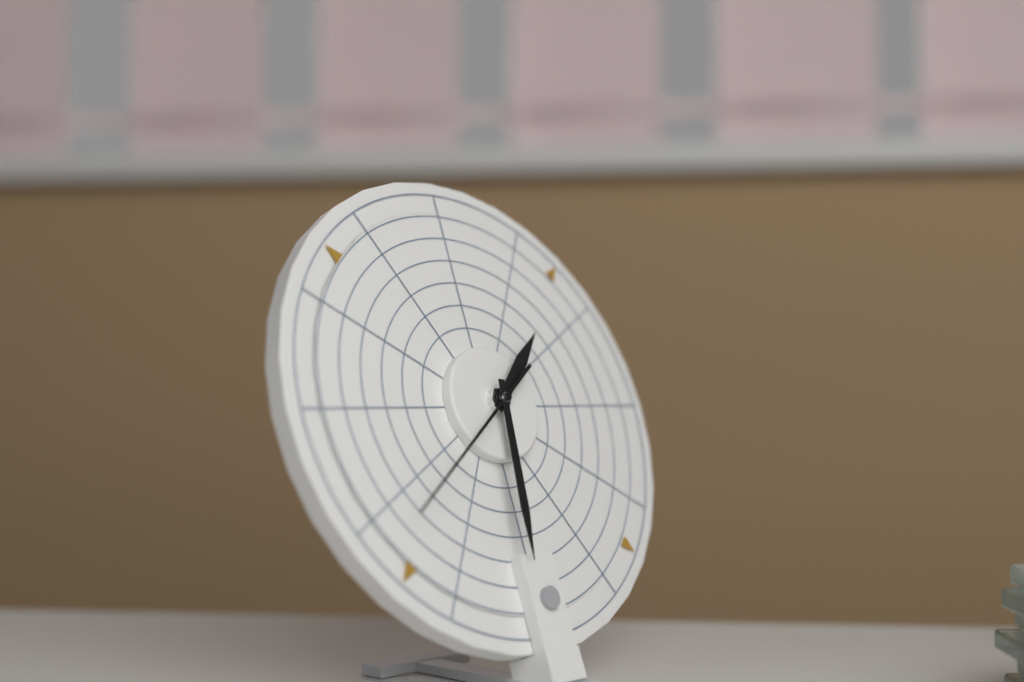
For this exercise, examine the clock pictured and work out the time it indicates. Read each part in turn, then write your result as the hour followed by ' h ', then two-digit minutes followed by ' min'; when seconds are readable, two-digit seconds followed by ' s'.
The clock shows 1 h 31 min 39 s
